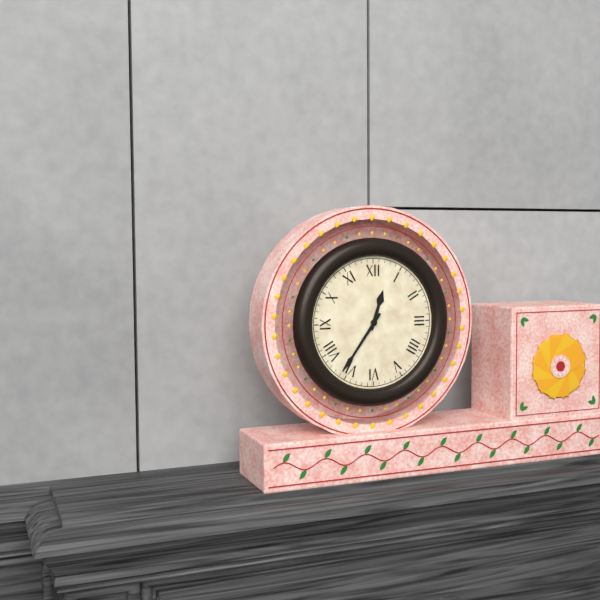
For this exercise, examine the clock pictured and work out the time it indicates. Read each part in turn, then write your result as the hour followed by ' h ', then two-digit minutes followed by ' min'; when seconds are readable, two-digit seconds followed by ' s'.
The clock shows 12 h 36 min
